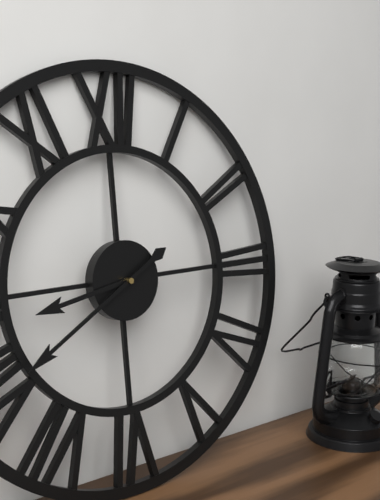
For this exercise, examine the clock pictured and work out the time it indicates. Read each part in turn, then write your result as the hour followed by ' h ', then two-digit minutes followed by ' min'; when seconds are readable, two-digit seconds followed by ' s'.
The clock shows 8 h 40 min
